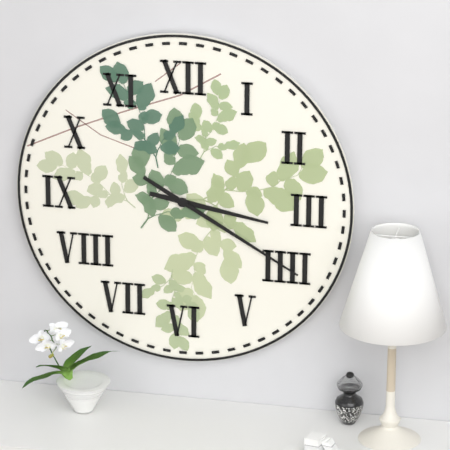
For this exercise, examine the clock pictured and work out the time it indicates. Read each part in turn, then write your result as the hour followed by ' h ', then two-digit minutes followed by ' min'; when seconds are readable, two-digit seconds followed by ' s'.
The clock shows 3 h 20 min
